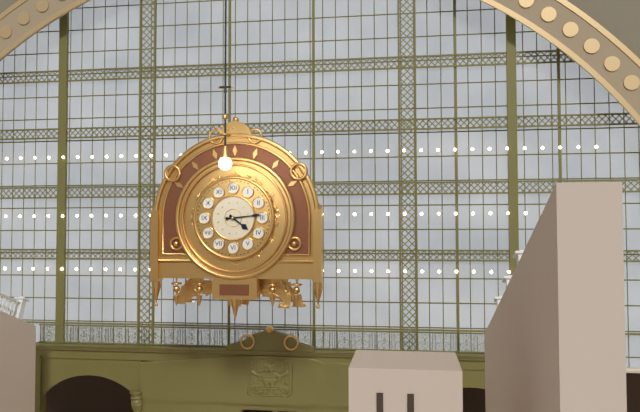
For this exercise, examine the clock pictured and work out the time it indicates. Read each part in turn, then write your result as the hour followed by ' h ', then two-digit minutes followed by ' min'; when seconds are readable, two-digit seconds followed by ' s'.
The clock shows 4 h 14 min
